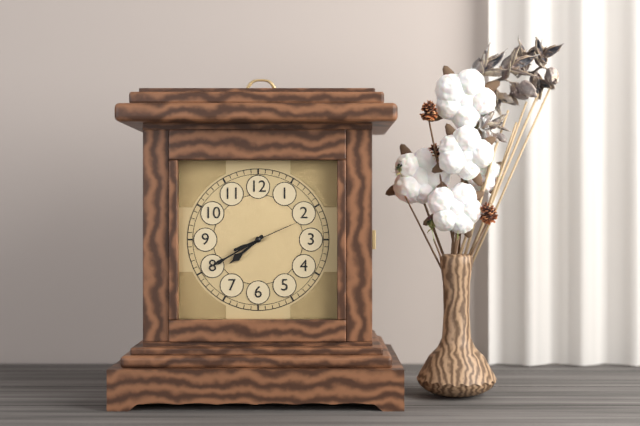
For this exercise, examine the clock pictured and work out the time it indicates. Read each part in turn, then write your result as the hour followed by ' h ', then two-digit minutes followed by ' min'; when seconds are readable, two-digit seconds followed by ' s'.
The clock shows 7 h 40 min 11 s
